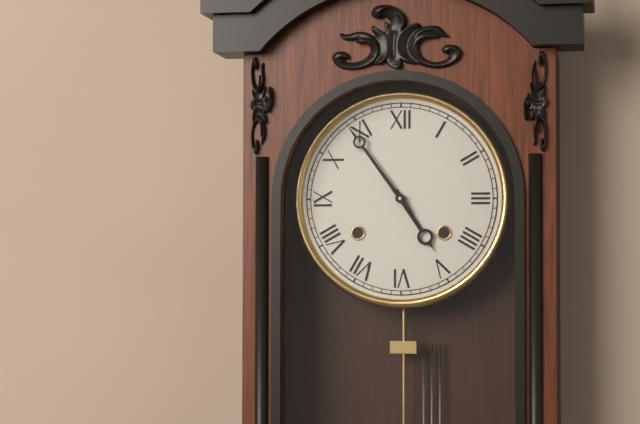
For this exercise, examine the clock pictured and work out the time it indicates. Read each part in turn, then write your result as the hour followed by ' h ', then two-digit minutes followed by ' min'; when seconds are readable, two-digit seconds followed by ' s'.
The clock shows 4 h 54 min
